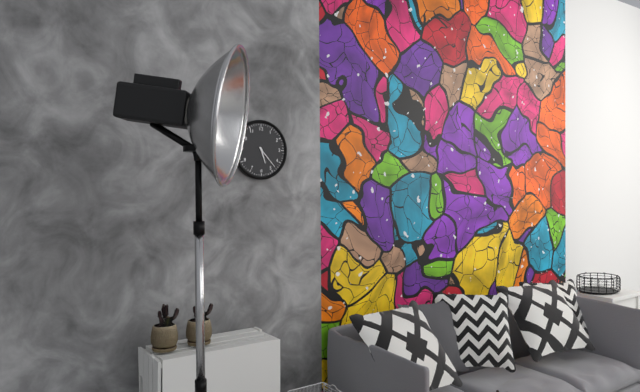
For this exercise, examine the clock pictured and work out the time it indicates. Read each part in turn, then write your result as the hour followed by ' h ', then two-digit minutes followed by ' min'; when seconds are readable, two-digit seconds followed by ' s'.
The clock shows 5 h 23 min
